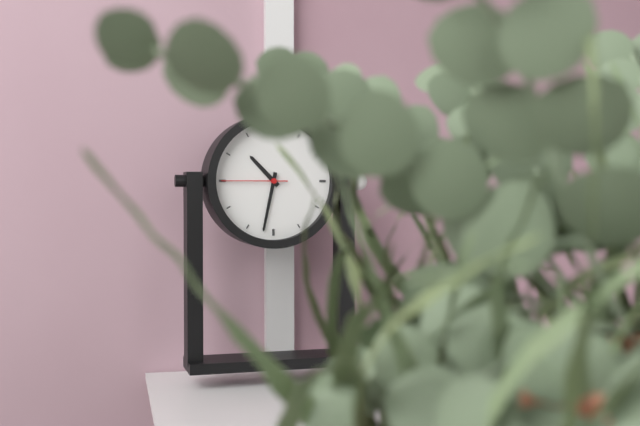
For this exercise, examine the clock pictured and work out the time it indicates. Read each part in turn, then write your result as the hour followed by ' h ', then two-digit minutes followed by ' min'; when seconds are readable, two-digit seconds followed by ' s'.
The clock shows 10 h 32 min 45 s
